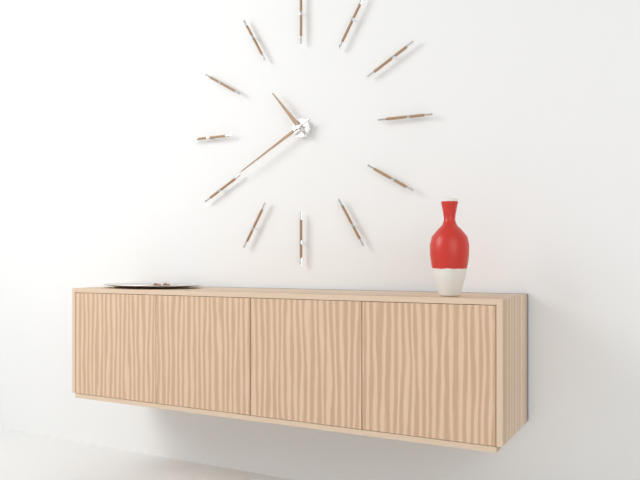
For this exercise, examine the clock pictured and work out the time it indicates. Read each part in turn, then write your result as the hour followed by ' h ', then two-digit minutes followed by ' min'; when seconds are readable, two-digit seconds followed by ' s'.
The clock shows 10 h 40 min
